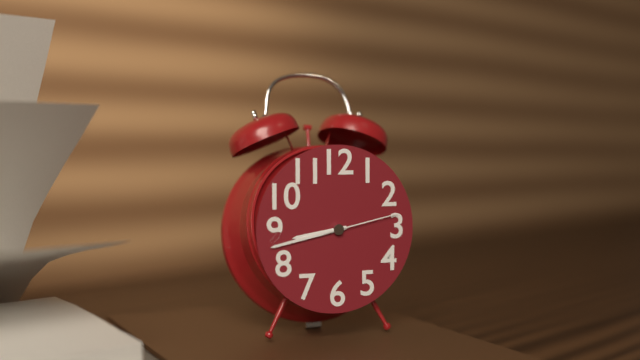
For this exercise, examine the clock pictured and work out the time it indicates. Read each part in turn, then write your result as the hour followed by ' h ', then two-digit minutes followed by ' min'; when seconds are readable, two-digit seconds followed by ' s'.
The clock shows 8 h 43 min 13 s
